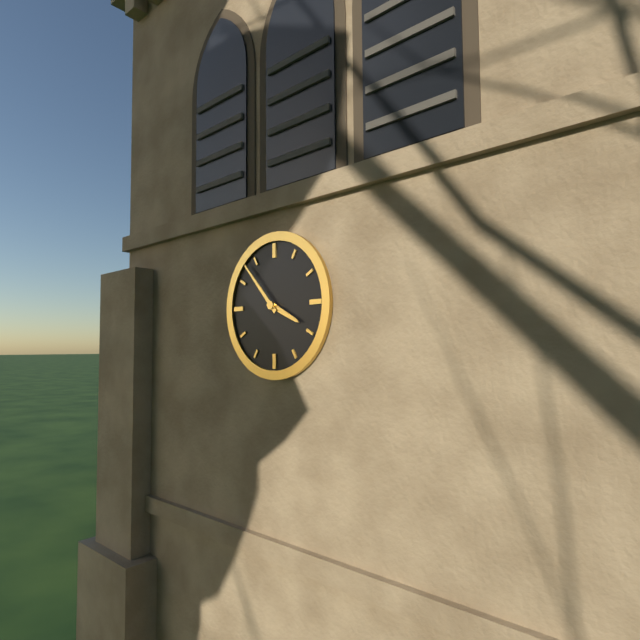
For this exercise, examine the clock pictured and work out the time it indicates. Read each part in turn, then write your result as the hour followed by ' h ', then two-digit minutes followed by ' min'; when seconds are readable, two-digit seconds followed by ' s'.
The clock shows 3 h 53 min
